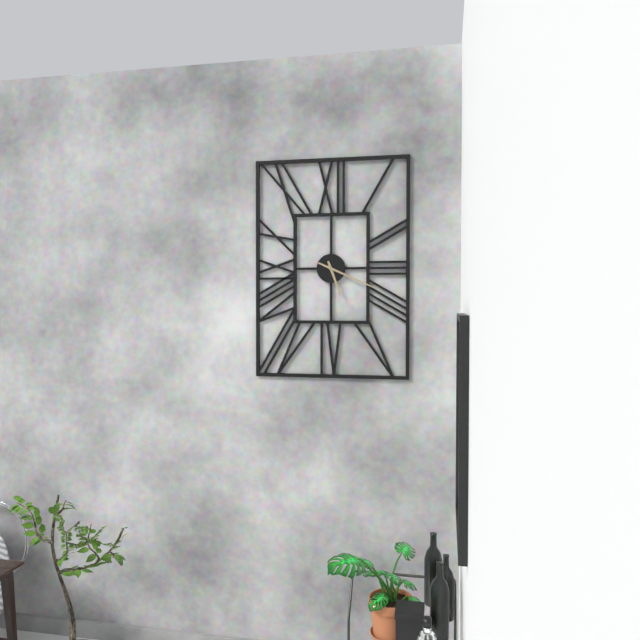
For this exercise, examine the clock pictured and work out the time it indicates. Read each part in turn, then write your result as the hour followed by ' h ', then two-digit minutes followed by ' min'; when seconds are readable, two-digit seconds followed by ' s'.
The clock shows 5 h 19 min
